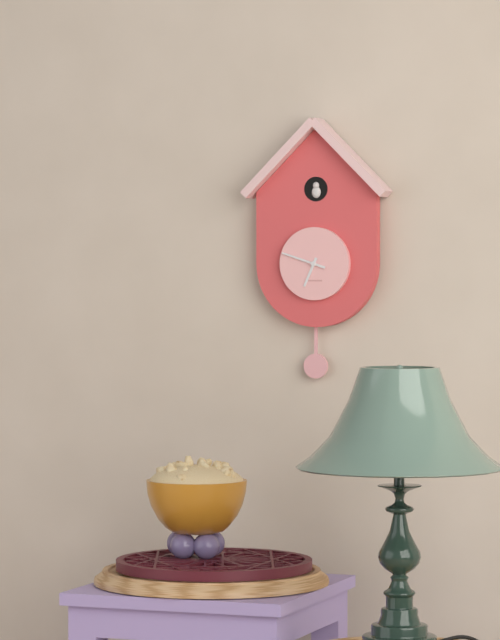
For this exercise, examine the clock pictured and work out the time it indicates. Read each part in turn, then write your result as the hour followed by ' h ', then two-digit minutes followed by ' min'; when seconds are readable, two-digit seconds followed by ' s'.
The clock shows 6 h 48 min
